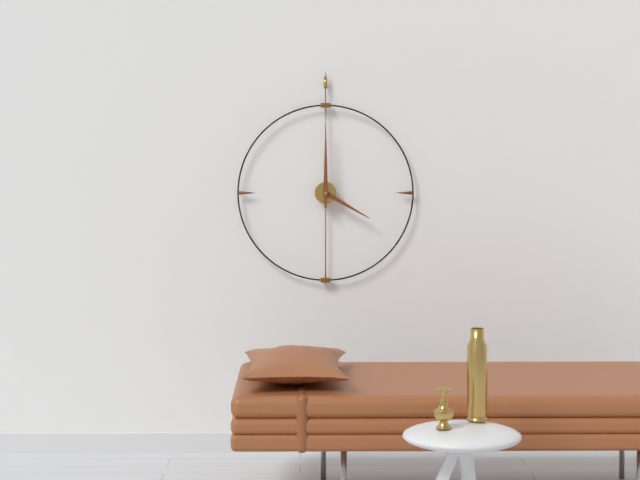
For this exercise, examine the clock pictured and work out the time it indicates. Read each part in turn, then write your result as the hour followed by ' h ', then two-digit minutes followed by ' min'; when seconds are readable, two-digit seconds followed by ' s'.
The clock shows 4 h 00 min
